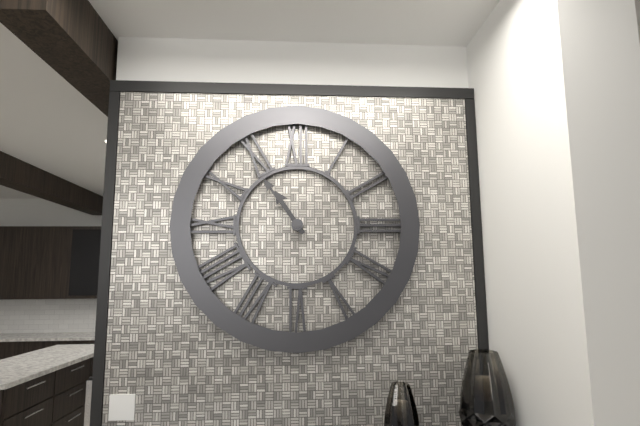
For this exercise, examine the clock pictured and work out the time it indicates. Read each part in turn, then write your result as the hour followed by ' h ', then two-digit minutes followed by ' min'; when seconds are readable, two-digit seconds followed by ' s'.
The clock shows 10 h 54 min
